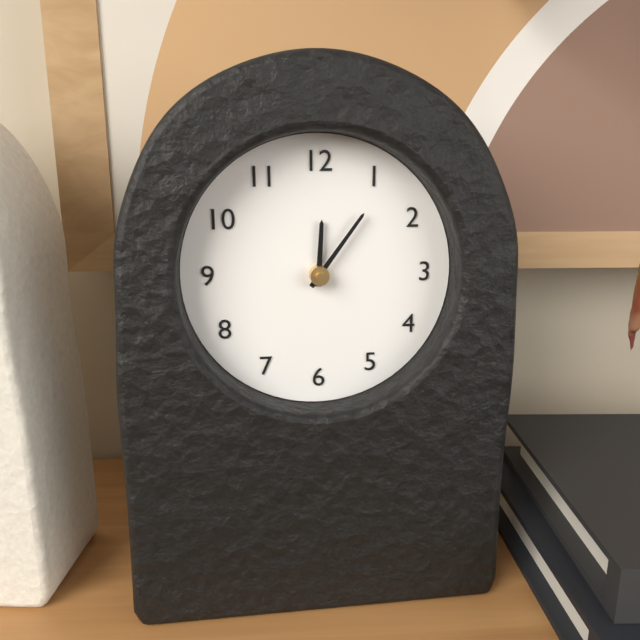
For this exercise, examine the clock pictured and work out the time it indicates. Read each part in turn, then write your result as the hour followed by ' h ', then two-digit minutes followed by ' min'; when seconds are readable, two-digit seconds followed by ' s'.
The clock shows 12 h 06 min
